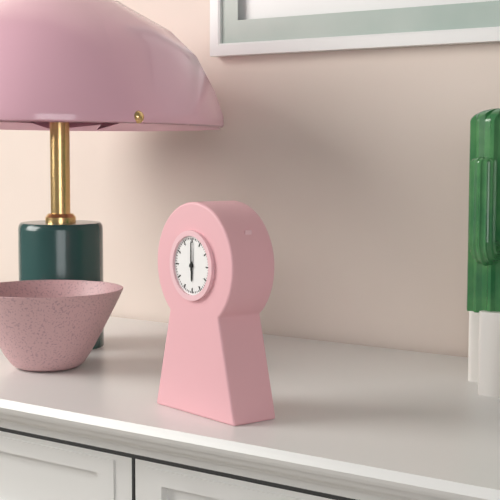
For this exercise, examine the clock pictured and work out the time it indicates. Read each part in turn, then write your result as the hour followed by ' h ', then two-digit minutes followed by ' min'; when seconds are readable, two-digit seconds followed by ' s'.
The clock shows 6 h 00 min
